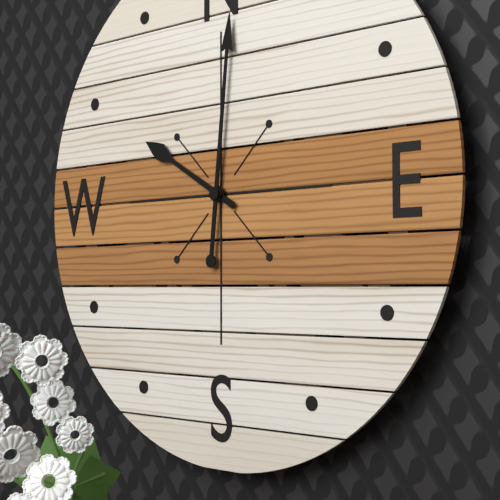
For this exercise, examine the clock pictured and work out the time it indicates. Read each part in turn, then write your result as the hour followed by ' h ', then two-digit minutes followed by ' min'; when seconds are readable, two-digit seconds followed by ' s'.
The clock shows 10 h 01 min
